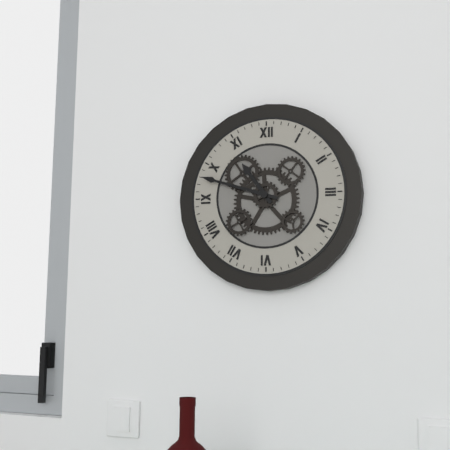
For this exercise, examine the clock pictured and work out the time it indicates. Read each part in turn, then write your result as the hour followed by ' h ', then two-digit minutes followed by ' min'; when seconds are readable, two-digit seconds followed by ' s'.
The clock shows 10 h 48 min
